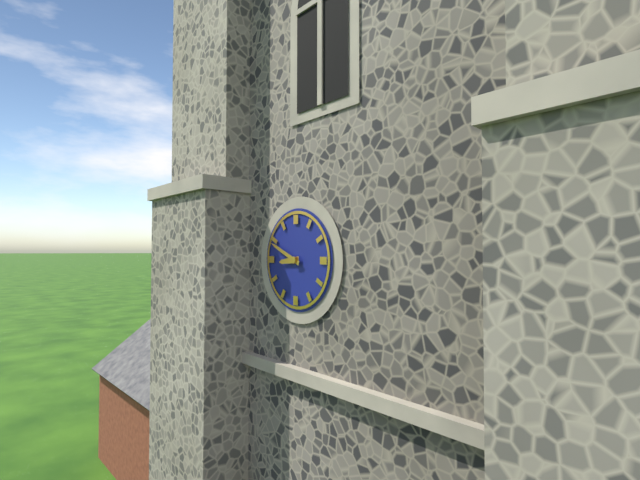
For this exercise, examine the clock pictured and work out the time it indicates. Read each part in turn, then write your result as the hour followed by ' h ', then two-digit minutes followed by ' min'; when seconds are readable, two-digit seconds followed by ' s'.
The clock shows 8 h 49 min
